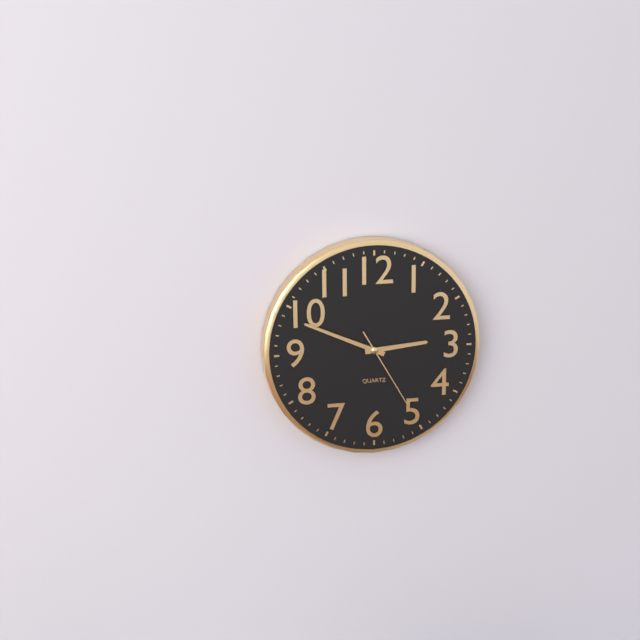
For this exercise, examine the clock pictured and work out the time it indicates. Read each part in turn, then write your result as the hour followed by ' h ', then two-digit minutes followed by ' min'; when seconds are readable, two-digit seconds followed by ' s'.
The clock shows 2 h 49 min 25 s
